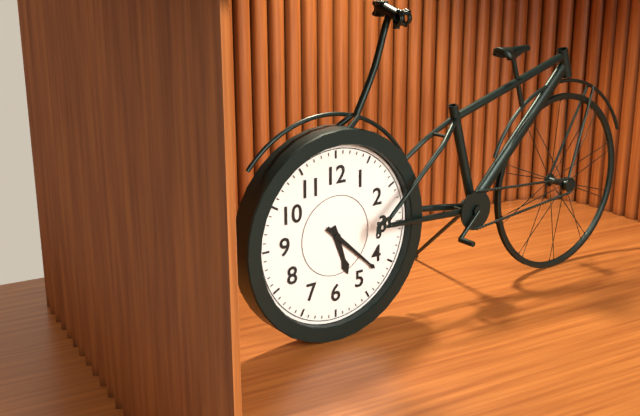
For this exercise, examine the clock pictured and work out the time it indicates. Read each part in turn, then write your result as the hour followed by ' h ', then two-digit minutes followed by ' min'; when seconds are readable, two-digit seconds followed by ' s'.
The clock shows 5 h 22 min
